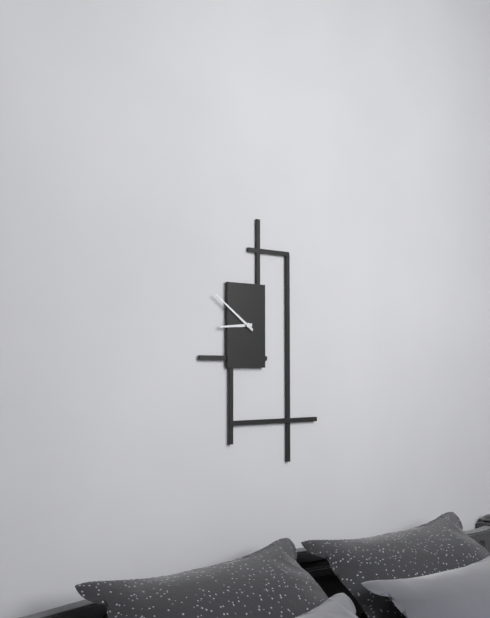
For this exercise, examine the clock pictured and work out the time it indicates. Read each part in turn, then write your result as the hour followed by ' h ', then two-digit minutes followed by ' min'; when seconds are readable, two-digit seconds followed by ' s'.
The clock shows 8 h 51 min
